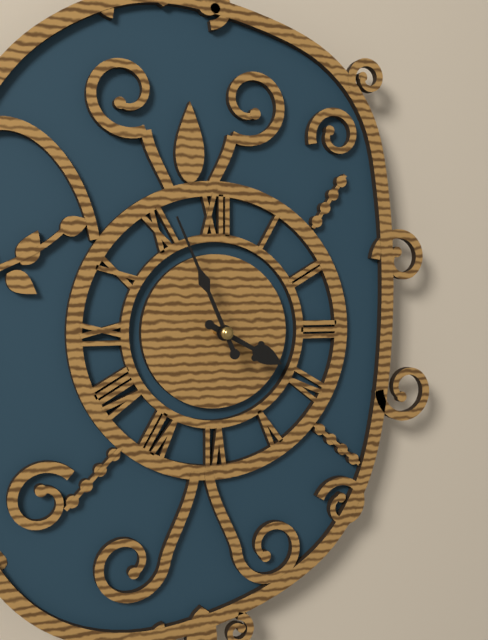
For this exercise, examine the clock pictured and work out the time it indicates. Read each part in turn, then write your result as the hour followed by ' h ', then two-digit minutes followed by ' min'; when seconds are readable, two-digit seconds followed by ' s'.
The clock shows 3 h 56 min
